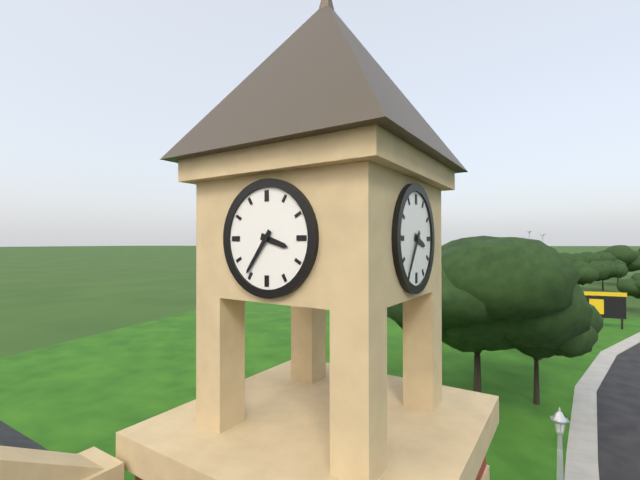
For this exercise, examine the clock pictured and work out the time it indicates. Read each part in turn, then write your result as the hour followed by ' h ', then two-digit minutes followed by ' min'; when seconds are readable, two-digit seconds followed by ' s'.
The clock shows 3 h 36 min
